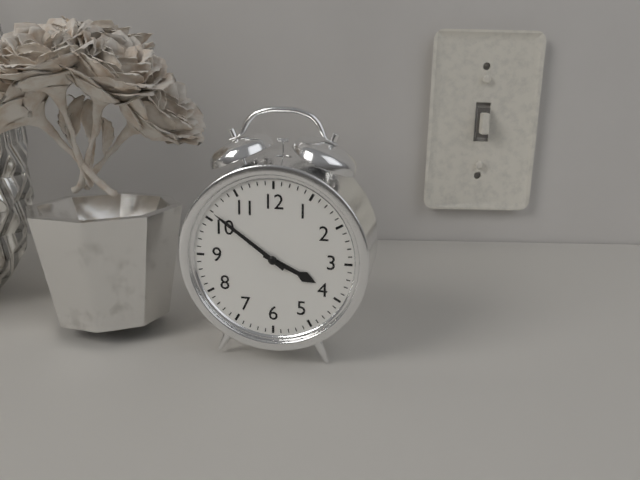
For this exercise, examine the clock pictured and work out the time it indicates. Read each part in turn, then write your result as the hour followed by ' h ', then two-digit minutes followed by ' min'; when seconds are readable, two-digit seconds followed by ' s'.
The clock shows 3 h 51 min
